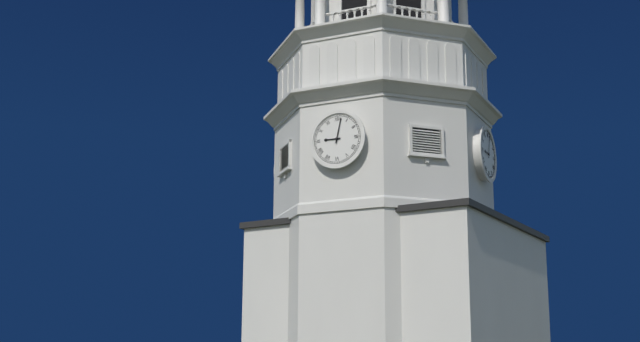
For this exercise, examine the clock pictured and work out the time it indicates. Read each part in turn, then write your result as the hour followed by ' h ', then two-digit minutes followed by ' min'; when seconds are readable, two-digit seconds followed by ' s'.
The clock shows 9 h 02 min
